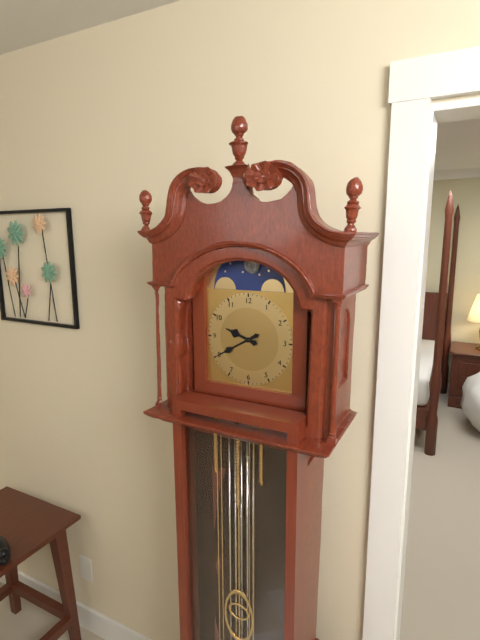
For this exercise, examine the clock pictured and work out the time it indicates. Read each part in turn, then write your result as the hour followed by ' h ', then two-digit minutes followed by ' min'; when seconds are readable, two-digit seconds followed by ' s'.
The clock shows 9 h 40 min
